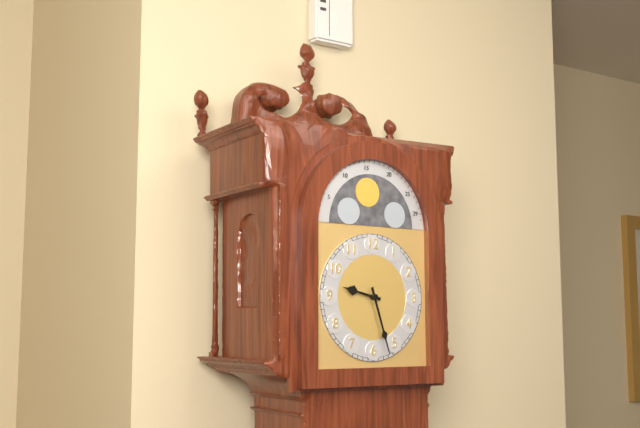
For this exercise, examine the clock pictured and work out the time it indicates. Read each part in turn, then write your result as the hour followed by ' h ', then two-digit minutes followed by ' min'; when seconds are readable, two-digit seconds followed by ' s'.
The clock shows 9 h 27 min
